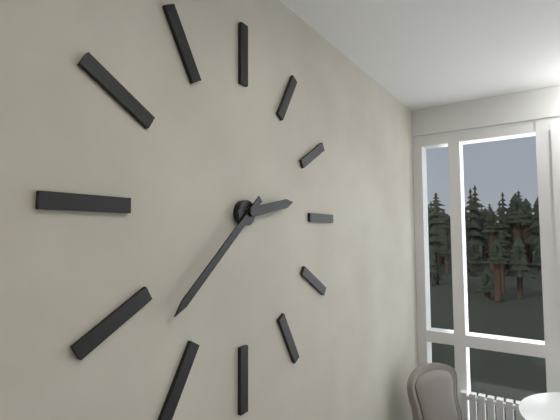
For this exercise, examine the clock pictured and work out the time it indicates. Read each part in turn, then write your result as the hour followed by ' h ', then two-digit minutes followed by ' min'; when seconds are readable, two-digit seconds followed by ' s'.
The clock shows 2 h 38 min
